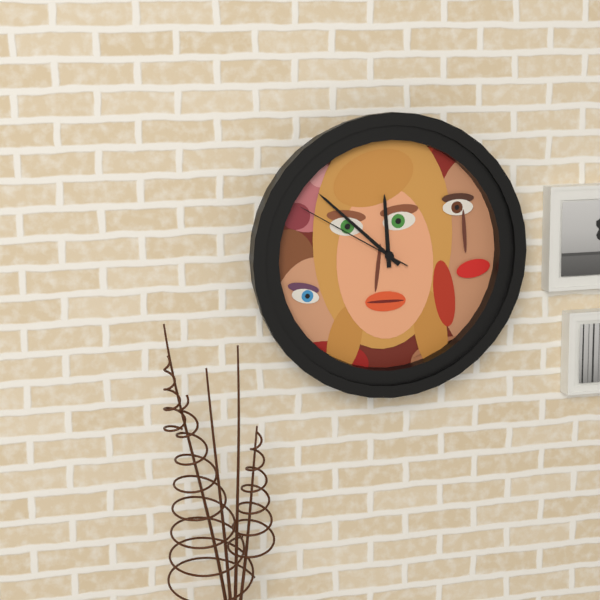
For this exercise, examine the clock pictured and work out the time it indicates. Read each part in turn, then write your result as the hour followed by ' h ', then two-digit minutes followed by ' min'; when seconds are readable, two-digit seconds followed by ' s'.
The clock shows 11 h 52 min 50 s
